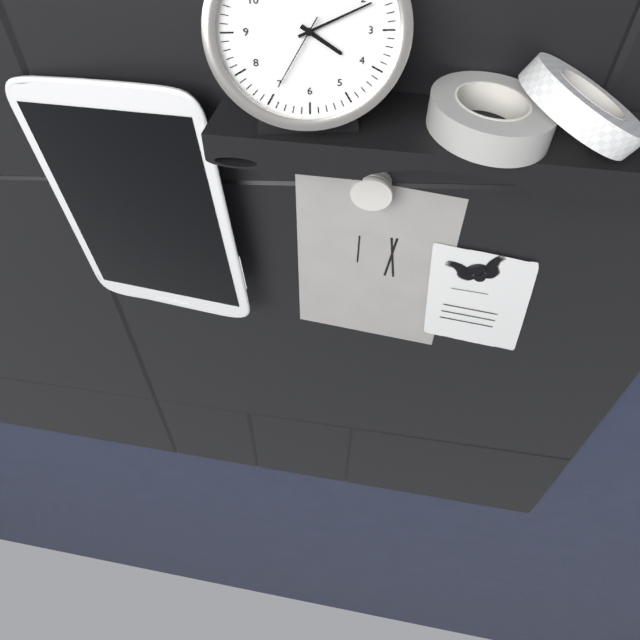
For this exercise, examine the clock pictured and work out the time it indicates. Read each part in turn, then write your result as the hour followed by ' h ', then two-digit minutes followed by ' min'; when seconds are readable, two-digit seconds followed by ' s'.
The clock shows 4 h 11 min 35 s
